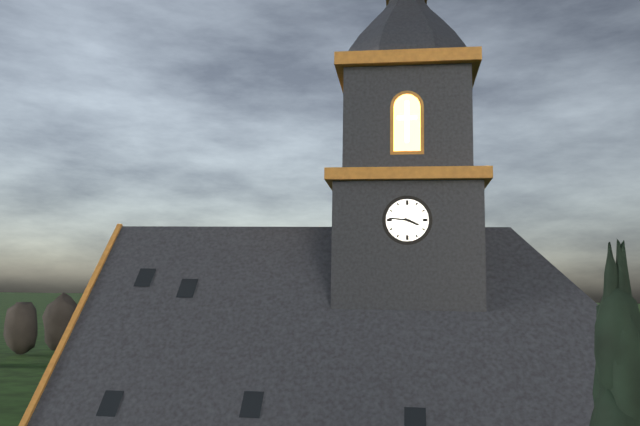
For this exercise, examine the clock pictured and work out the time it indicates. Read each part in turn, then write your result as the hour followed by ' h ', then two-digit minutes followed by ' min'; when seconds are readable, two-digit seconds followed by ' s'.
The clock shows 3 h 46 min
